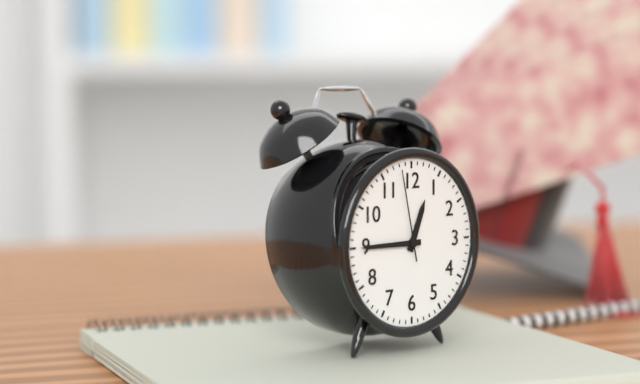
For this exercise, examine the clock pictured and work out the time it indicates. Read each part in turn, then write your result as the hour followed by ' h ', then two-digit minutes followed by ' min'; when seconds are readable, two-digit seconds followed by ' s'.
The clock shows 12 h 45 min 58 s
